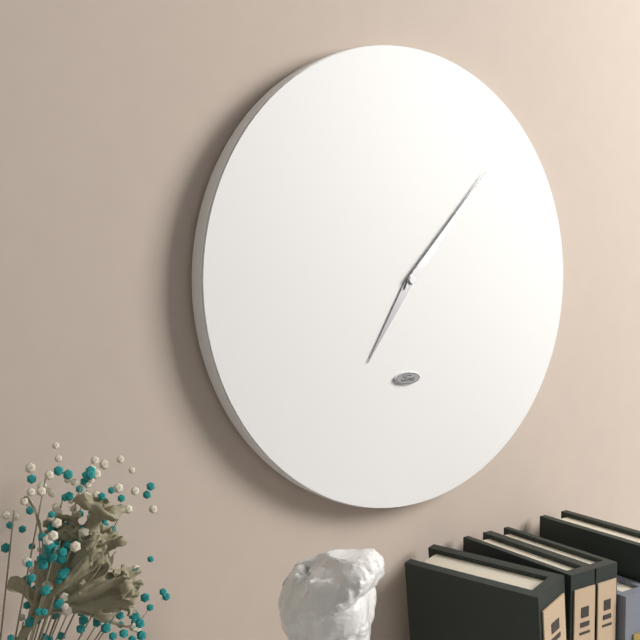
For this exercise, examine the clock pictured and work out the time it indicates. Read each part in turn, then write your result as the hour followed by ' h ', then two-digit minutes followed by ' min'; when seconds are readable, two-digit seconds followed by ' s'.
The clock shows 7 h 07 min
